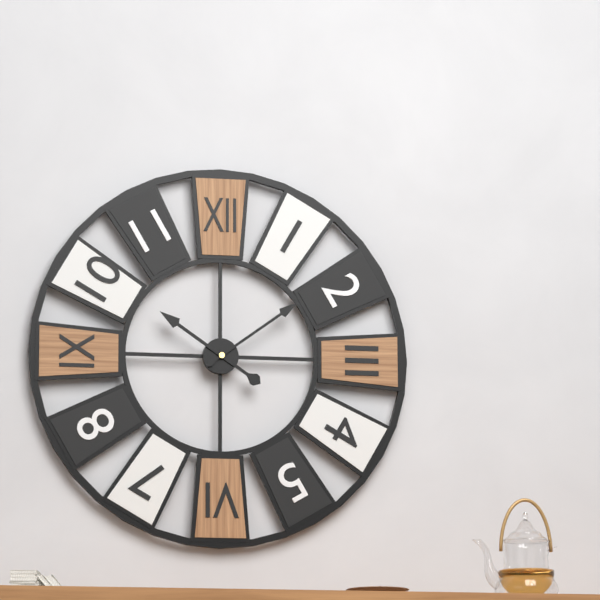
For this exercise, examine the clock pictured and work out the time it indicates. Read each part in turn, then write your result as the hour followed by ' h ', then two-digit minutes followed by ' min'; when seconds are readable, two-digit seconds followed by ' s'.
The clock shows 10 h 09 min
